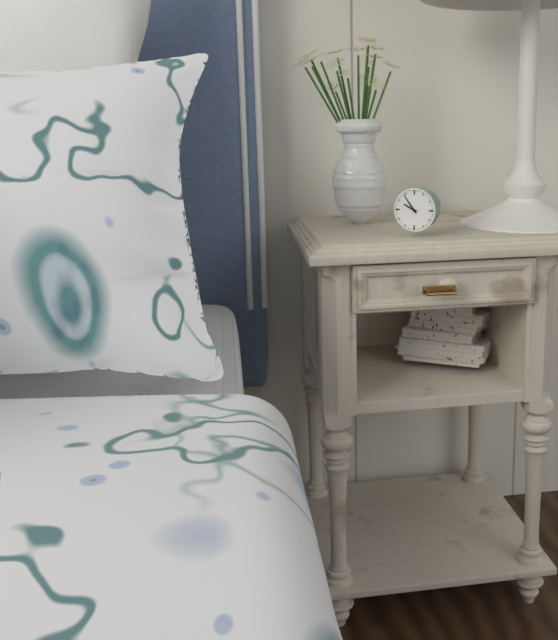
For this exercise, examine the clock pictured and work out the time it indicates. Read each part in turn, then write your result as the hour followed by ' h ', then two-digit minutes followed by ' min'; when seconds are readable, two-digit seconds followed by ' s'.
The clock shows 9 h 54 min
